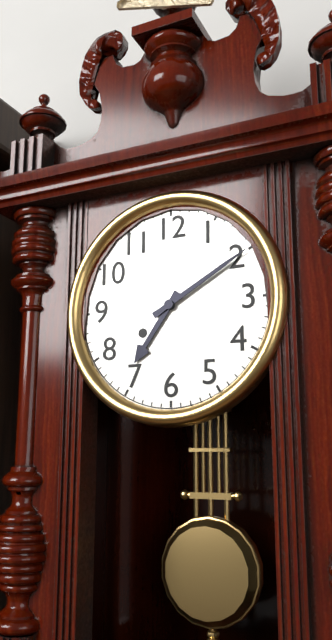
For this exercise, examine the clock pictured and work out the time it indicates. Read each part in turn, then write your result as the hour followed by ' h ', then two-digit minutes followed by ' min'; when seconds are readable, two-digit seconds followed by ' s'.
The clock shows 7 h 10 min
